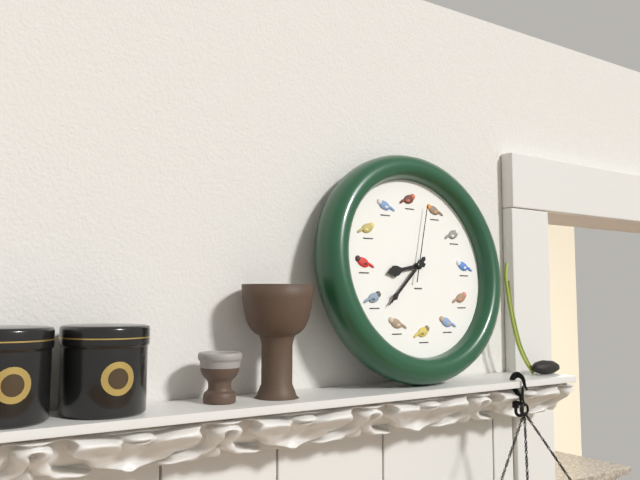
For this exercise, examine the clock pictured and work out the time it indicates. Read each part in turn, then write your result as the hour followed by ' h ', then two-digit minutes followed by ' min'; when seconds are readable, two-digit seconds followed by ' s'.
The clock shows 8 h 38 min 03 s
